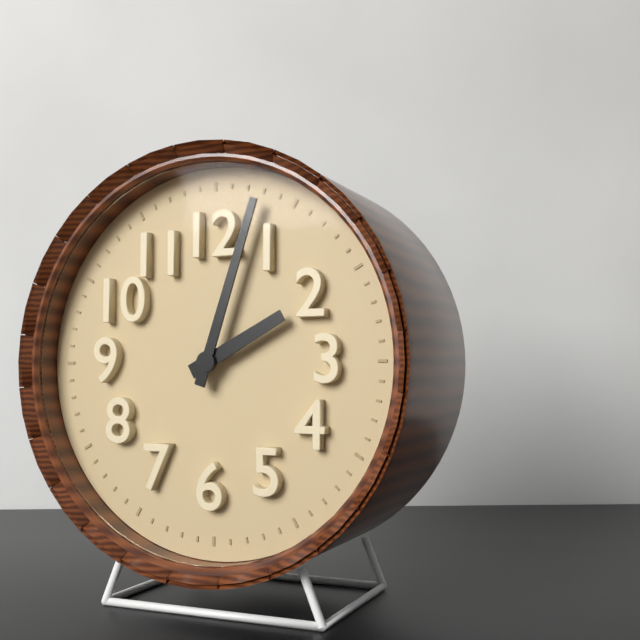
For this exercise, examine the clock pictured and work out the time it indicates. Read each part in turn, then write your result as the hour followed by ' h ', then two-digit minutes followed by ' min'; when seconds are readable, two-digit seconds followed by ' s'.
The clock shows 2 h 03 min
